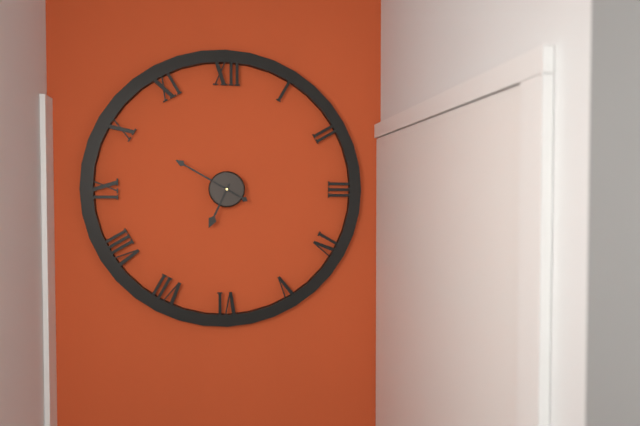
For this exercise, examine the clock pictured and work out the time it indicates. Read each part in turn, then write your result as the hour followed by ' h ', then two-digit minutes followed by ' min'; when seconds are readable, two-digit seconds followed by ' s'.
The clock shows 6 h 50 min
